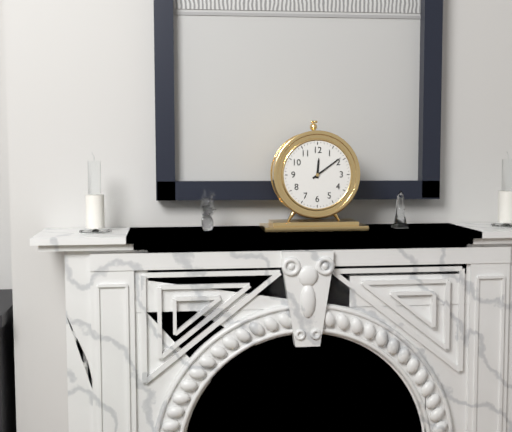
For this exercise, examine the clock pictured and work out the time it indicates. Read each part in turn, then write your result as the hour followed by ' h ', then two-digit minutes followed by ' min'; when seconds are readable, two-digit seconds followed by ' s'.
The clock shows 12 h 09 min
